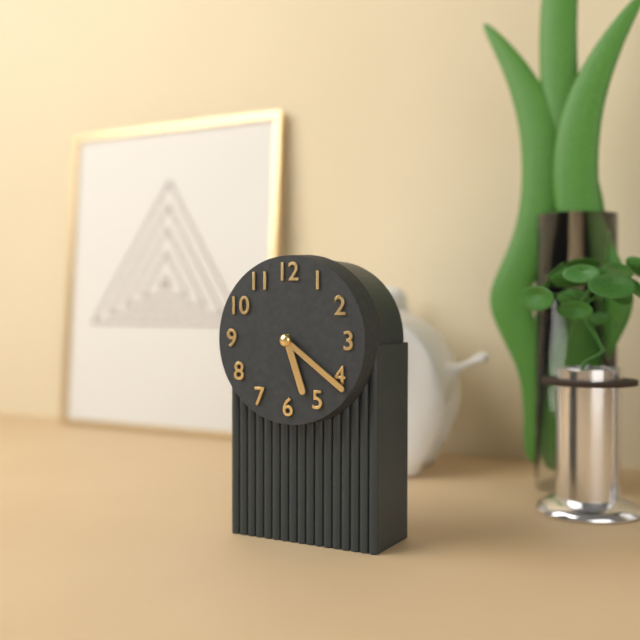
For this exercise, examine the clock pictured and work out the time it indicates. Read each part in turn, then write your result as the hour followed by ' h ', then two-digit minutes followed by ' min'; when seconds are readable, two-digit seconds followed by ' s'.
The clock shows 5 h 21 min
